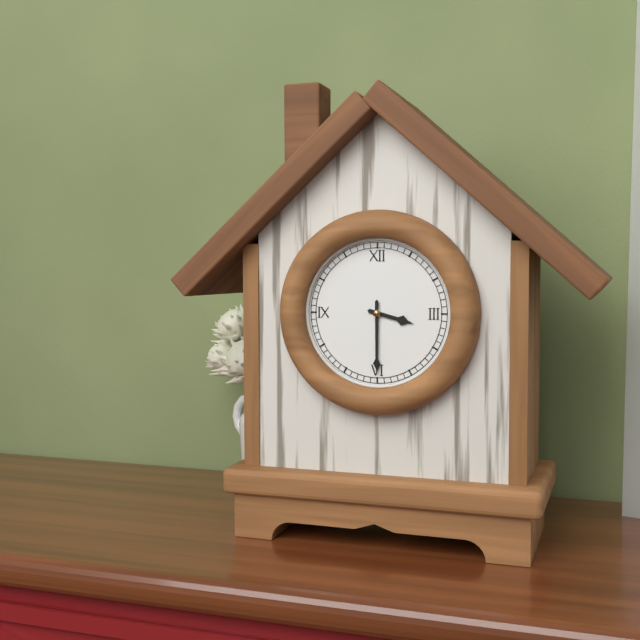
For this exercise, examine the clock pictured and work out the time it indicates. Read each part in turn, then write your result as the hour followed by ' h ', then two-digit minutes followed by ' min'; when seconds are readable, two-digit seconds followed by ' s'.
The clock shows 3 h 30 min
